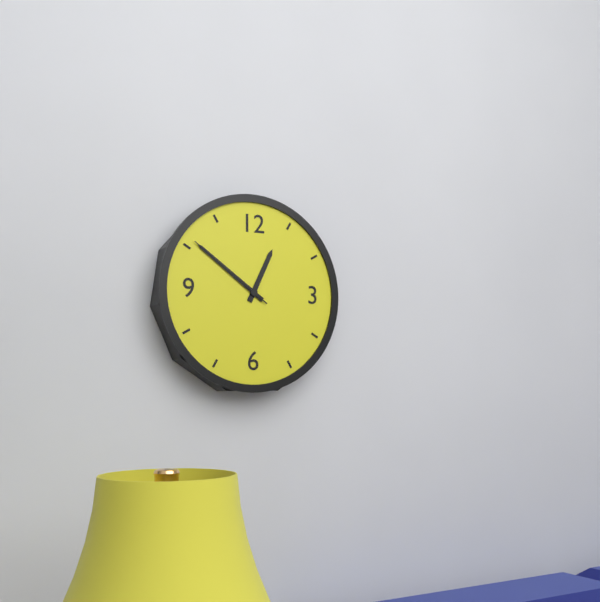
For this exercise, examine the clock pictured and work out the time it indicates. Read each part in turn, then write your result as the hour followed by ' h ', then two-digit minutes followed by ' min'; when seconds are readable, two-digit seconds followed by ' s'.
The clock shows 12 h 51 min 51 s
